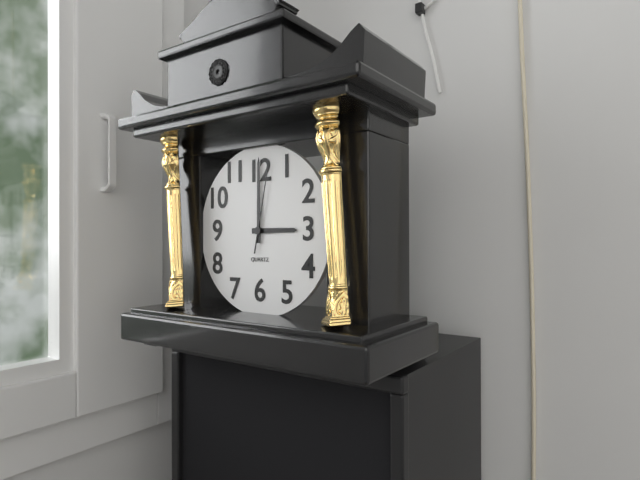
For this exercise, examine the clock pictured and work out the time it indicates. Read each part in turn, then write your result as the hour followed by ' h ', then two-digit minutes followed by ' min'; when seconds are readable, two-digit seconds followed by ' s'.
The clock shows 3 h 00 min 02 s
